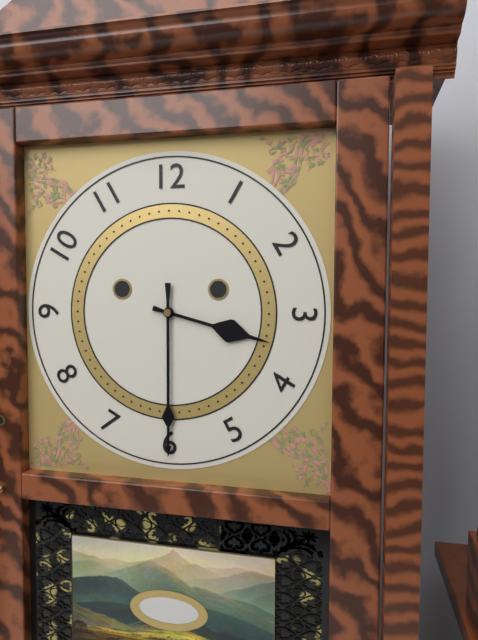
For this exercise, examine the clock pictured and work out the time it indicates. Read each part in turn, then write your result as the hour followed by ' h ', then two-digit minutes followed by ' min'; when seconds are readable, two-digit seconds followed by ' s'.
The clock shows 3 h 30 min
